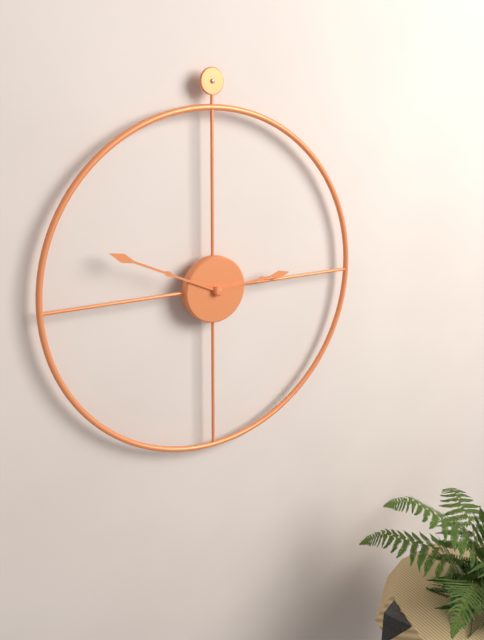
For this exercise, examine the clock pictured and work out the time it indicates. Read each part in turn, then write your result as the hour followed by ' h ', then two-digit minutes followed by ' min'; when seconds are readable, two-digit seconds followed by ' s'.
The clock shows 2 h 49 min
